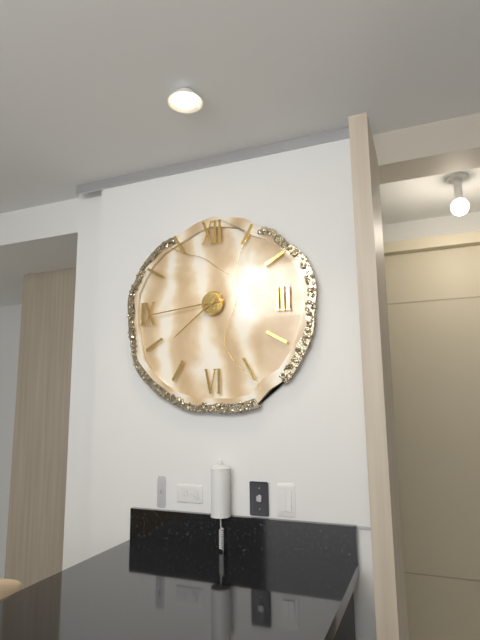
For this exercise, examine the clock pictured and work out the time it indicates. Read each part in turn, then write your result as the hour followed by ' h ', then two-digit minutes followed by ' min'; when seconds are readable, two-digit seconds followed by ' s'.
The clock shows 7 h 44 min
